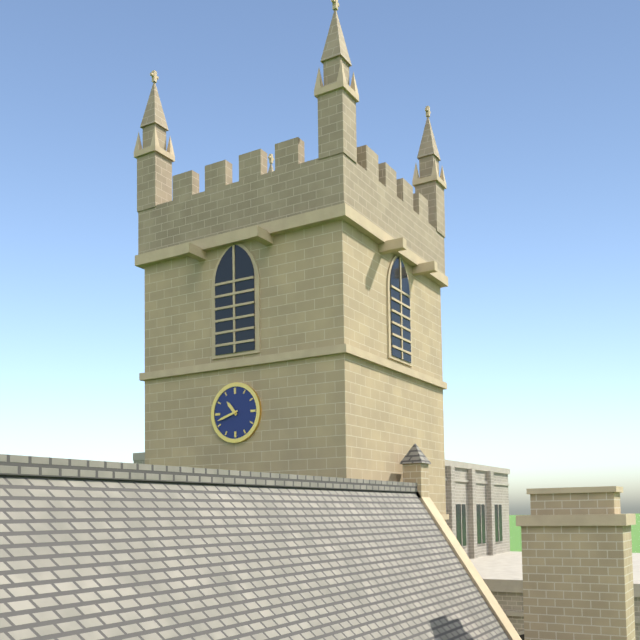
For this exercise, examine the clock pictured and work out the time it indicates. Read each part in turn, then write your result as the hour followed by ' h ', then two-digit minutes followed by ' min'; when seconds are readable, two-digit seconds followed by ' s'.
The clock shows 10 h 42 min
